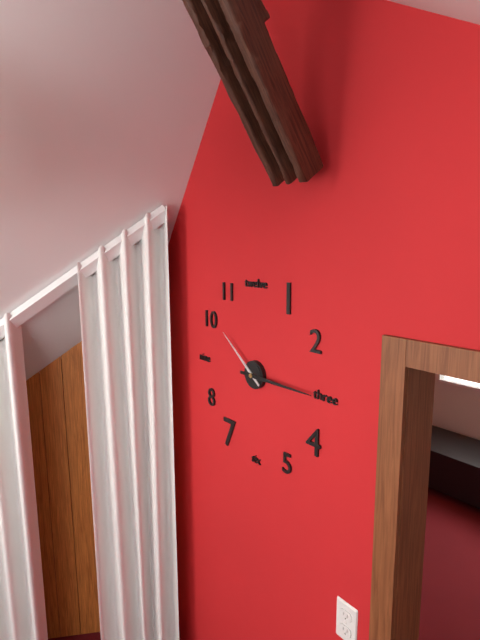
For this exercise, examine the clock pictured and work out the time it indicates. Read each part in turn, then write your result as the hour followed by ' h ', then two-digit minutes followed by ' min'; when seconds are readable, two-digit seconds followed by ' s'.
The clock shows 10 h 15 min
